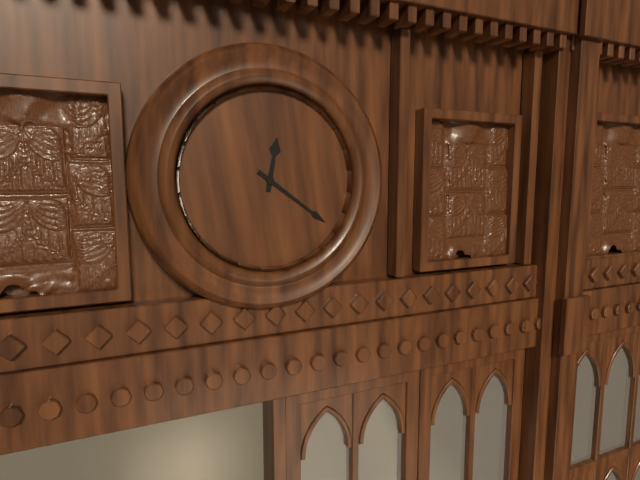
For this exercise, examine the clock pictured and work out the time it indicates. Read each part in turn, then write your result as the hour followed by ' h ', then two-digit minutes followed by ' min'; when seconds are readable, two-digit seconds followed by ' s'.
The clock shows 12 h 21 min
